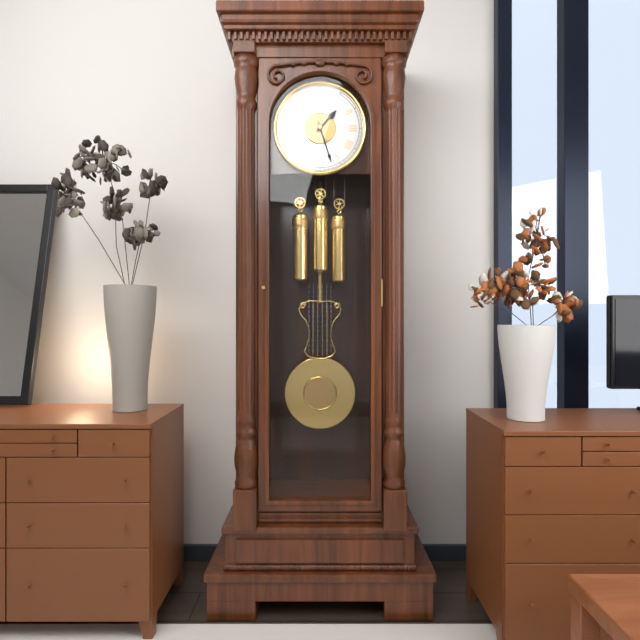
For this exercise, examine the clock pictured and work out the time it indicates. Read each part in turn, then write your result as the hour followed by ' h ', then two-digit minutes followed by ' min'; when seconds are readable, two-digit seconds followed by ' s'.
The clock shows 1 h 27 min
